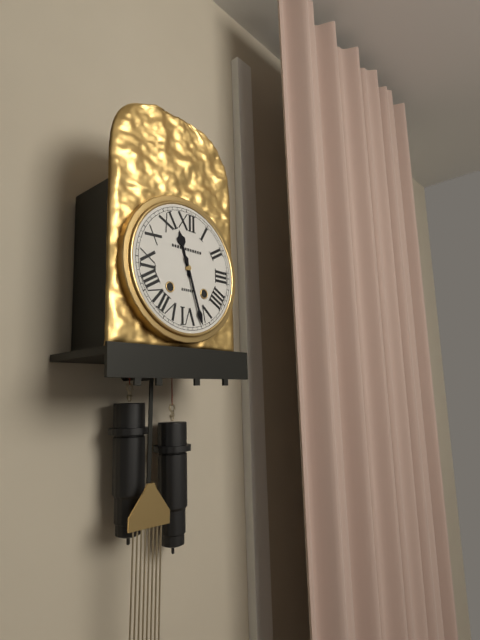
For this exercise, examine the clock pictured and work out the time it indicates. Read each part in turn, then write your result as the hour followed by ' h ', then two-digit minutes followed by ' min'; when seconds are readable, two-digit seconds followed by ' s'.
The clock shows 11 h 27 min
